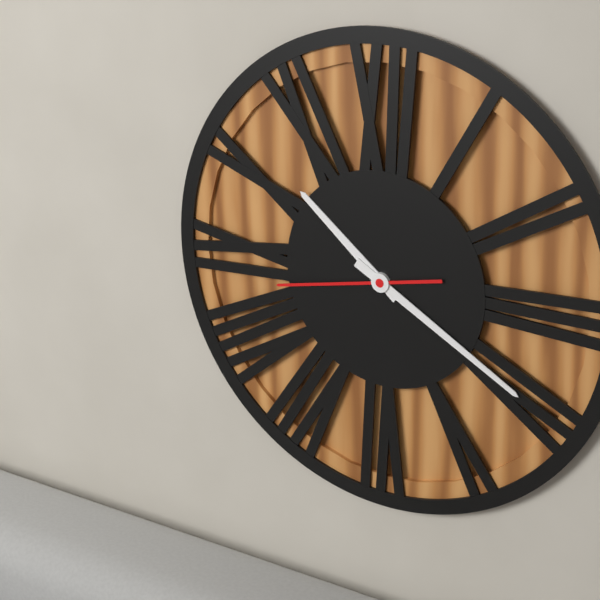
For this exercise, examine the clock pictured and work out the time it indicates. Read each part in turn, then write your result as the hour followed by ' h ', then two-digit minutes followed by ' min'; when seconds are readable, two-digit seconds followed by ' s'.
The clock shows 10 h 20 min 43 s
